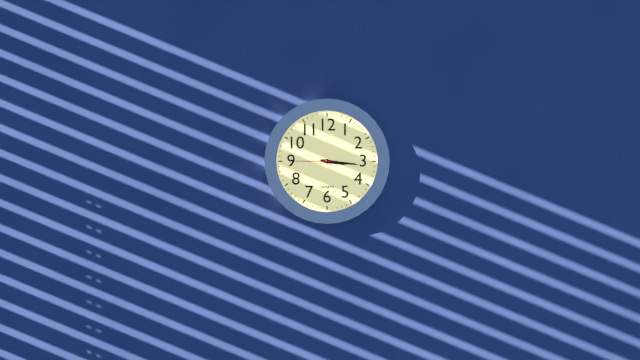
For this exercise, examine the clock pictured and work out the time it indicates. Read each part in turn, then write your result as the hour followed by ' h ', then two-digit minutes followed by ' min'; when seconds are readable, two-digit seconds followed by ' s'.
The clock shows 3 h 16 min
